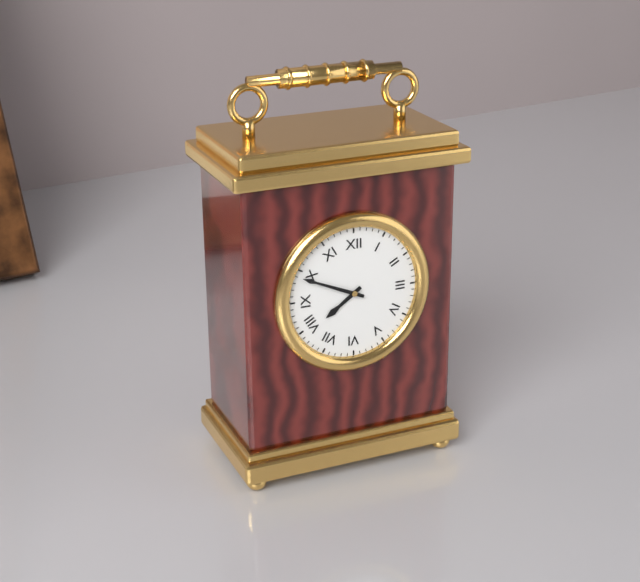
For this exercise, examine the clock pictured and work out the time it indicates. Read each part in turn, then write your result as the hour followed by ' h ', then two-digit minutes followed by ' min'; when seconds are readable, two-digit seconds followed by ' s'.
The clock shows 7 h 49 min
